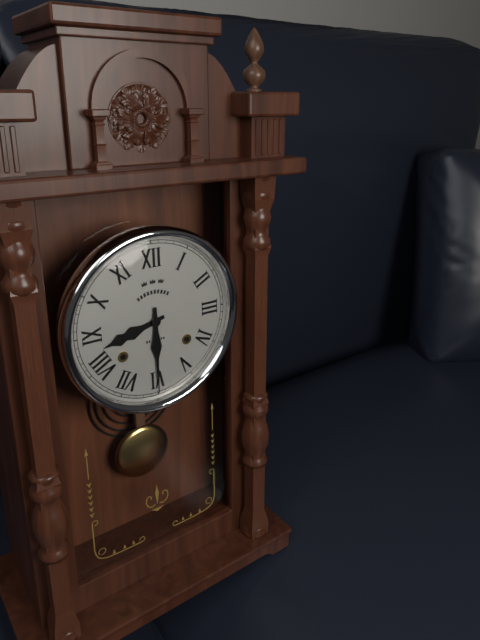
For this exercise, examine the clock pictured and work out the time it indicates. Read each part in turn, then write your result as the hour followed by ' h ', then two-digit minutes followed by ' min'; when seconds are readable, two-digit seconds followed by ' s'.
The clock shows 8 h 30 min
